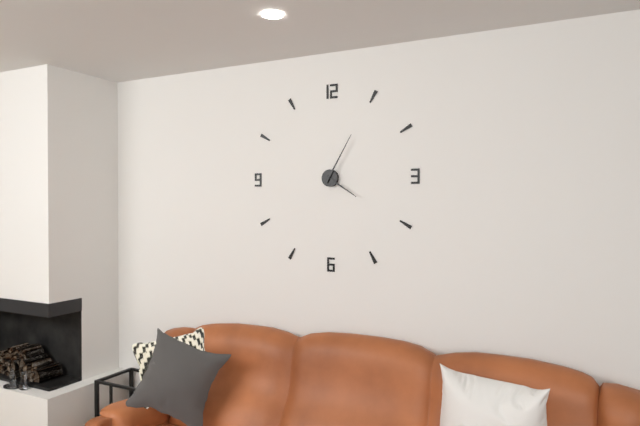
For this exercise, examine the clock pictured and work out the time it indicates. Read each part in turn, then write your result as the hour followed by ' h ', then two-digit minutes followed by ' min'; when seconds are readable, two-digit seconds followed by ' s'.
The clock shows 4 h 05 min
